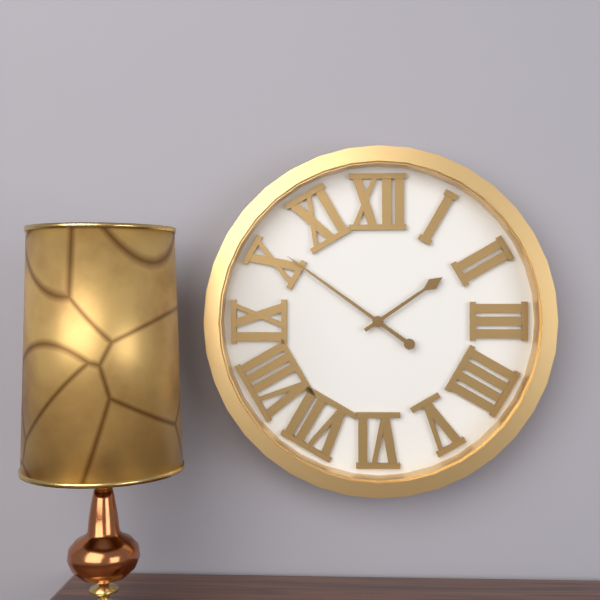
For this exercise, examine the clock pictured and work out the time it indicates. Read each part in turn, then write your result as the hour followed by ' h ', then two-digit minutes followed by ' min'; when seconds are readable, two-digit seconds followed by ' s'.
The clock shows 1 h 51 min
